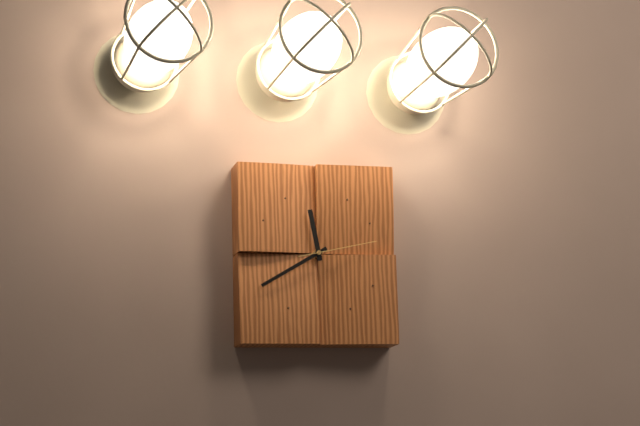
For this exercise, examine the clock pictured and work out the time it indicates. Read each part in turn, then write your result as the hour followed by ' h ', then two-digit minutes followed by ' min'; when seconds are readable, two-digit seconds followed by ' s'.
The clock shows 11 h 40 min 13 s
